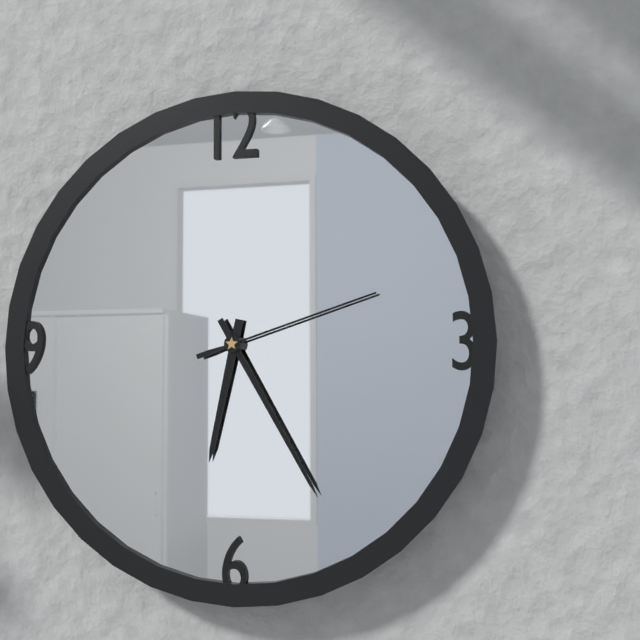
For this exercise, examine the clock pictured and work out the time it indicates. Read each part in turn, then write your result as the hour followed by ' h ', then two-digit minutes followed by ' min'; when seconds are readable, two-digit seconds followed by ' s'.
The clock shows 6 h 25 min 12 s
